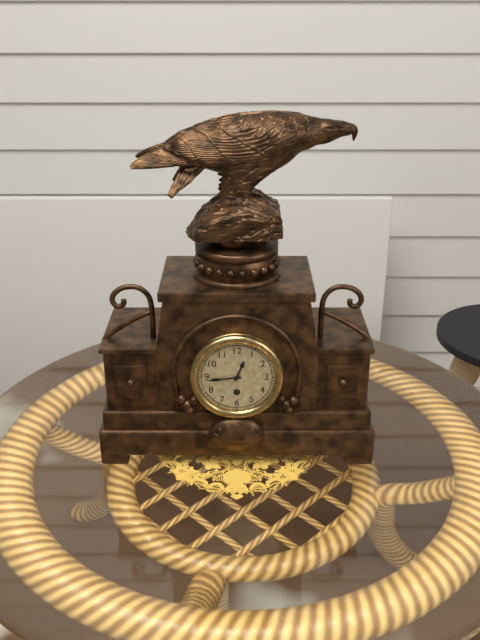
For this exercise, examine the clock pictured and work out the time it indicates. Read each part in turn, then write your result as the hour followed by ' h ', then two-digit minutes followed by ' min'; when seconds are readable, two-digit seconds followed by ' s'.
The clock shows 12 h 44 min
